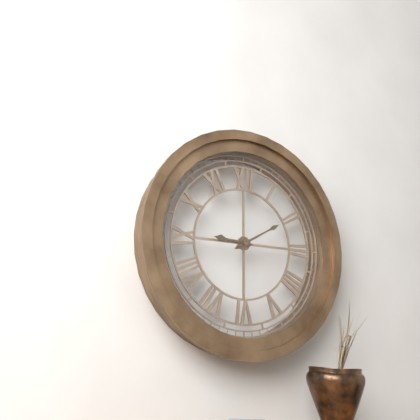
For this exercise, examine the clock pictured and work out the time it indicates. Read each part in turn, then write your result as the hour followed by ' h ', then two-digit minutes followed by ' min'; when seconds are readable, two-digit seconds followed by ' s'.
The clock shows 9 h 10 min
